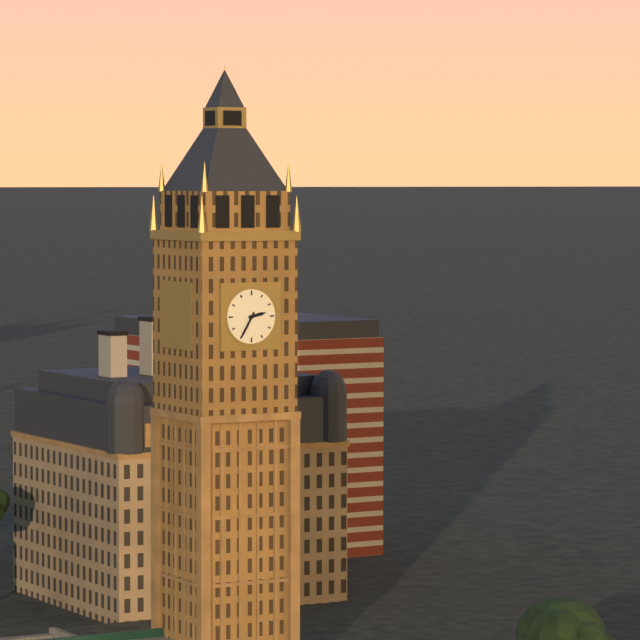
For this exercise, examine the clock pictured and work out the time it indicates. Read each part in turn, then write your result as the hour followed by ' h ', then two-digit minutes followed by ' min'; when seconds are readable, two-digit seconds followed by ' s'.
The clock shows 2 h 35 min
